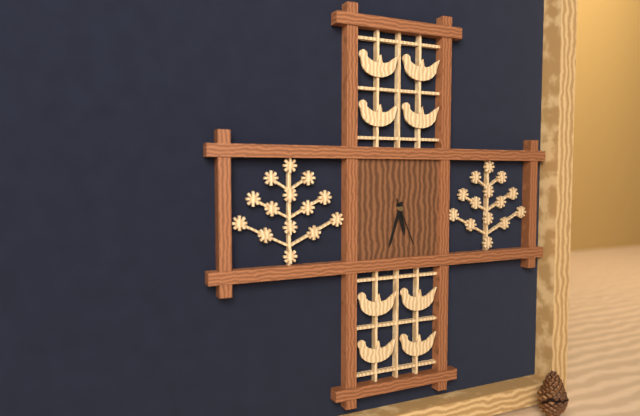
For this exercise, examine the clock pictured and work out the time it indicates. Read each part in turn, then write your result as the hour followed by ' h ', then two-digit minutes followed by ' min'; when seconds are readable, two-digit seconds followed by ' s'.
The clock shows 5 h 33 min 26 s
